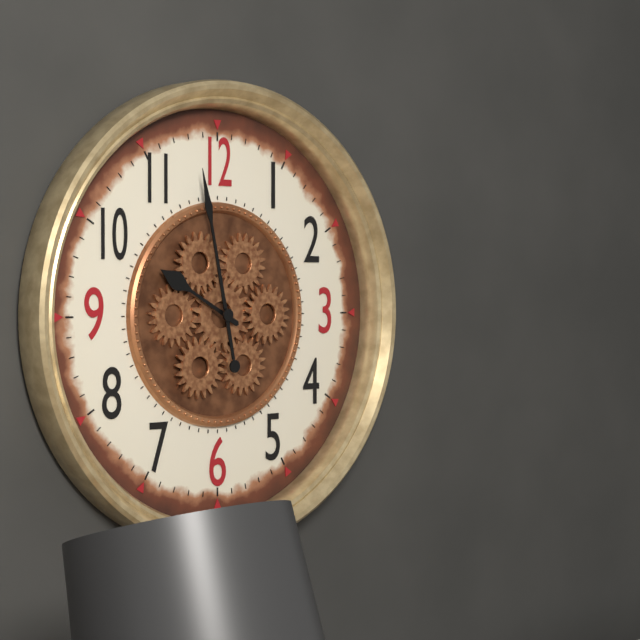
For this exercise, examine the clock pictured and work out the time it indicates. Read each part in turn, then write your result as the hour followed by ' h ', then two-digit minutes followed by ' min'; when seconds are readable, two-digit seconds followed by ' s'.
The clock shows 9 h 58 min
